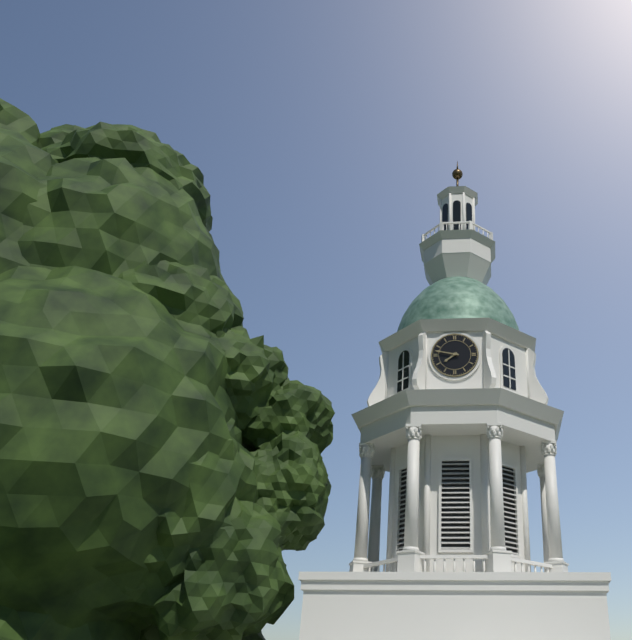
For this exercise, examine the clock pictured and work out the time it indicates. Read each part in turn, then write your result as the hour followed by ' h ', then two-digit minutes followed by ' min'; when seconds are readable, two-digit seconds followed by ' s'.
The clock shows 7 h 47 min
